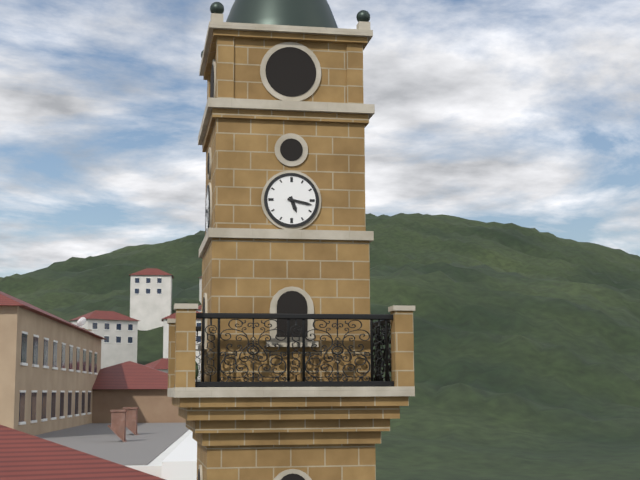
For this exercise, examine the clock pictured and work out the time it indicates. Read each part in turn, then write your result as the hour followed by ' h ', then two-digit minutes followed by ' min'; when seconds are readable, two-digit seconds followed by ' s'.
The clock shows 5 h 17 min
